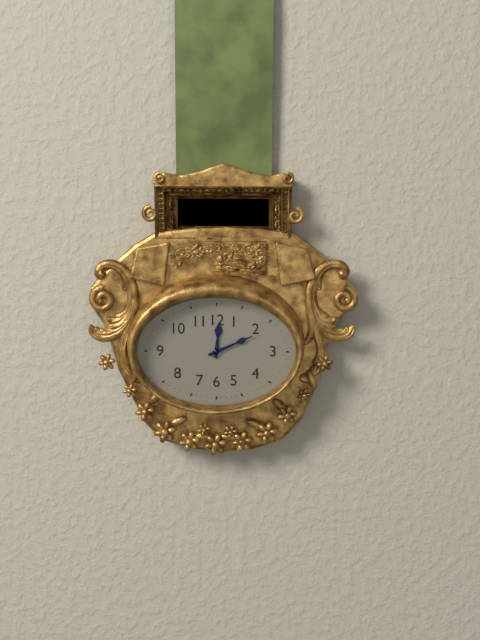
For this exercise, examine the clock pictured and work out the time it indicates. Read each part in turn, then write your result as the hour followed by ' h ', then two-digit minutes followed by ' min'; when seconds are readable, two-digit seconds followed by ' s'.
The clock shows 12 h 11 min
